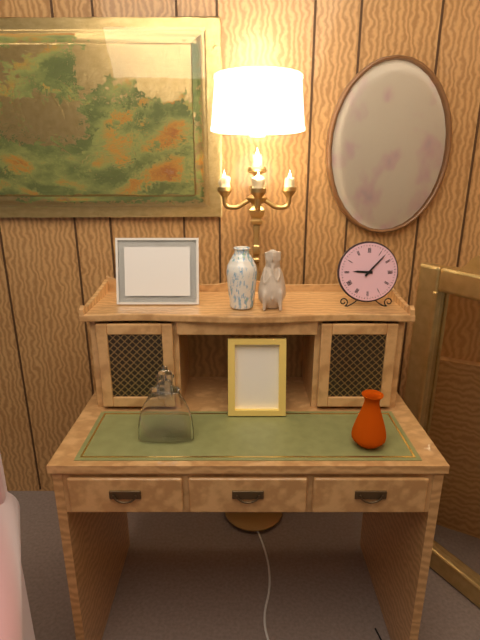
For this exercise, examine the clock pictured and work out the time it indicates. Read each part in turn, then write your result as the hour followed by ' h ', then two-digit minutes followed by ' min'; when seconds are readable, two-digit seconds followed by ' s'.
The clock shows 9 h 07 min
